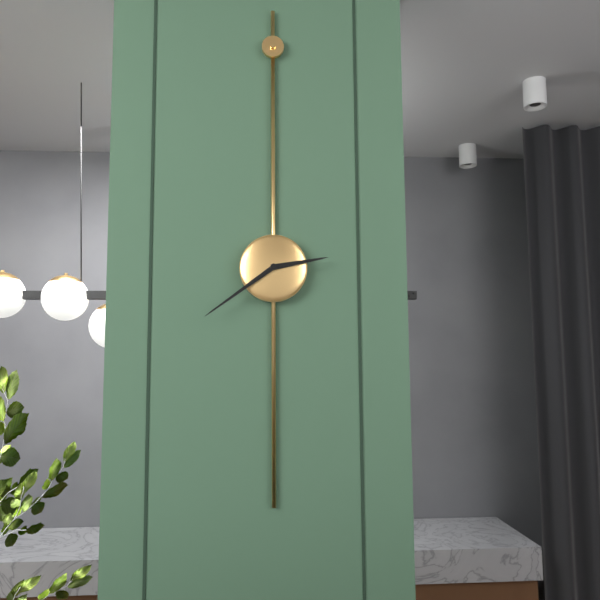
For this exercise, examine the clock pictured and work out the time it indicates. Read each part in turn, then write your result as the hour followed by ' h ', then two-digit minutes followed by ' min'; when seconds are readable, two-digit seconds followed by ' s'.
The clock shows 2 h 39 min
